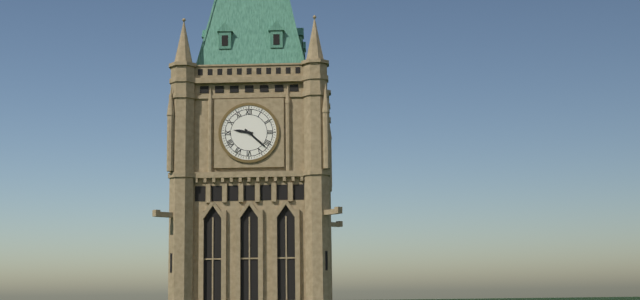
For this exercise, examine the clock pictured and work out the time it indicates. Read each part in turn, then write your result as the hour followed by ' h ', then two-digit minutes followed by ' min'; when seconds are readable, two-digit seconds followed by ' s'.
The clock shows 9 h 22 min
